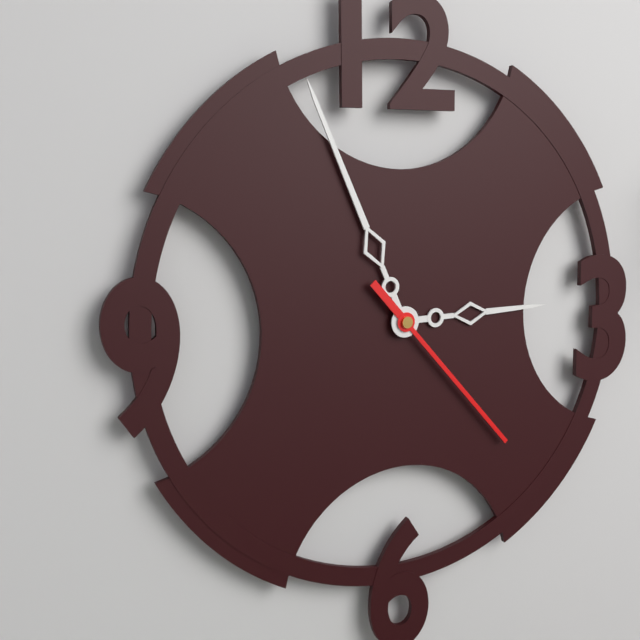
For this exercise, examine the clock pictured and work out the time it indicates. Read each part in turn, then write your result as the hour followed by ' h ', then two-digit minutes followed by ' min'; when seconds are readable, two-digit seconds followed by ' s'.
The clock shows 2 h 56 min 23 s
